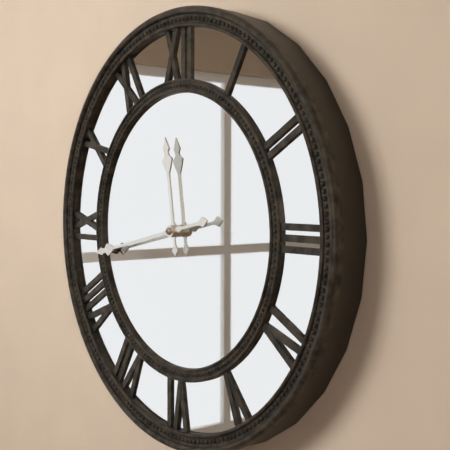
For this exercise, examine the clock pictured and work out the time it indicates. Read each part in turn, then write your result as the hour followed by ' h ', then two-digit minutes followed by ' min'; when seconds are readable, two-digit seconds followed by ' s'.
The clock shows 11 h 43 min
